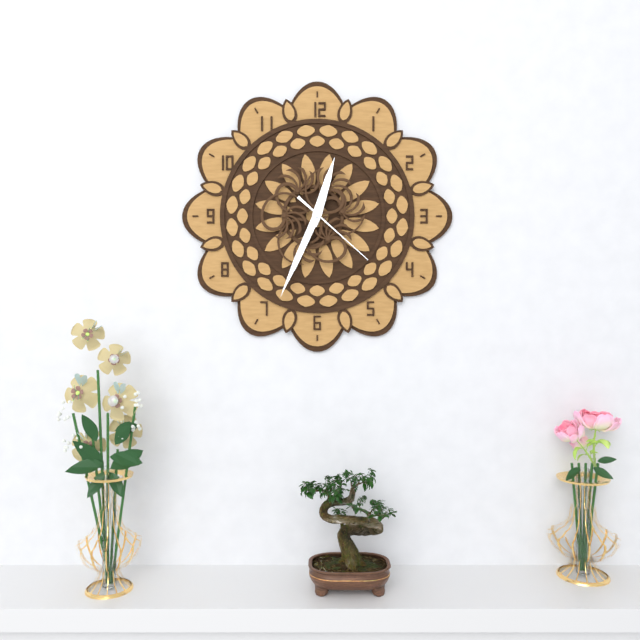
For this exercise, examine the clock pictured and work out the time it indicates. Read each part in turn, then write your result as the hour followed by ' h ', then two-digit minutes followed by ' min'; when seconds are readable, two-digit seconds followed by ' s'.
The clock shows 12 h 34 min 22 s
